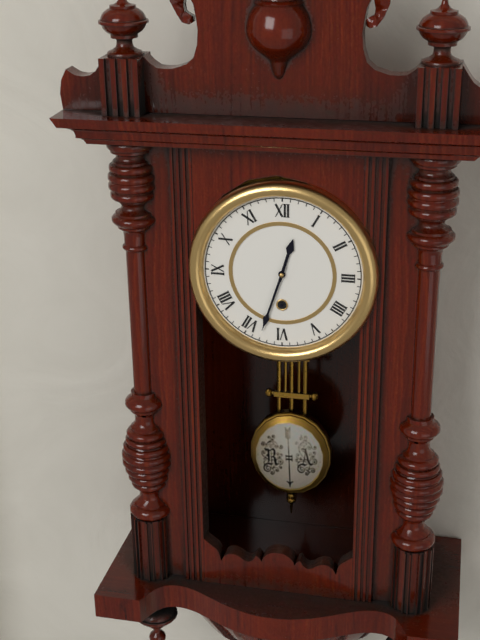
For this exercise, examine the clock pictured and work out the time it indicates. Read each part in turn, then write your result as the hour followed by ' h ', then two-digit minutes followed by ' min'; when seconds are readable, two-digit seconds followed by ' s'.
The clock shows 12 h 33 min
